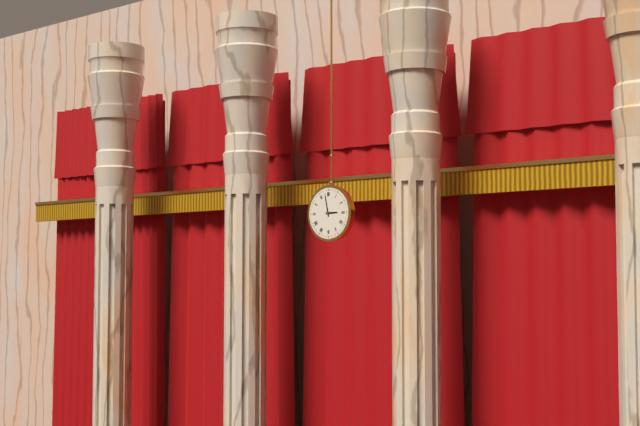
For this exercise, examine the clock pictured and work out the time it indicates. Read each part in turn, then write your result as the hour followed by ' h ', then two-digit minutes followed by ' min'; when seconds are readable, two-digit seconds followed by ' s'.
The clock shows 2 h 58 min
